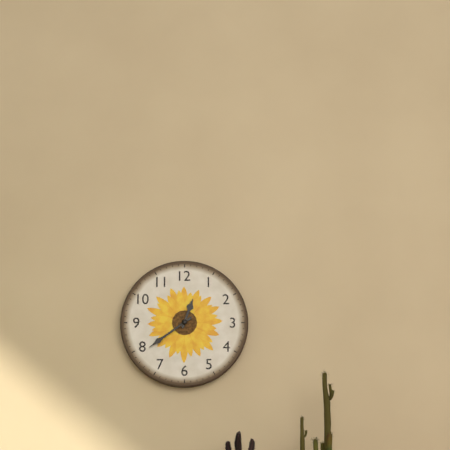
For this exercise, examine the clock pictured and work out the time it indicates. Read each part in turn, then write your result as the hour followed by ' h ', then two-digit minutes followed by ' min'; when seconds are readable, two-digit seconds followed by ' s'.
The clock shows 12 h 39 min
